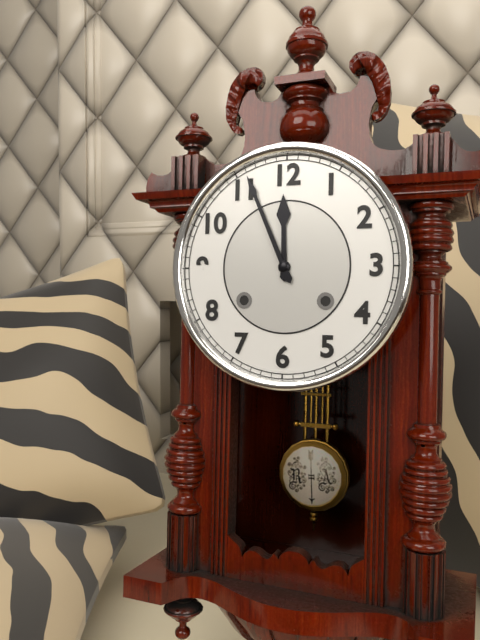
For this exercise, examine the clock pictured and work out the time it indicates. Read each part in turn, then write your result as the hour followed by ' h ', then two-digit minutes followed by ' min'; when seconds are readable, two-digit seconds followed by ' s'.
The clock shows 11 h 56 min
